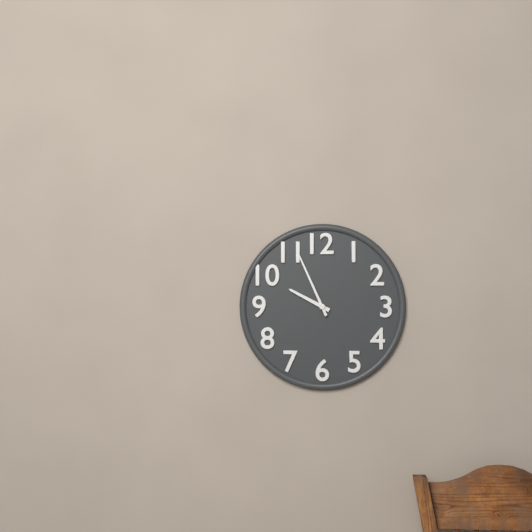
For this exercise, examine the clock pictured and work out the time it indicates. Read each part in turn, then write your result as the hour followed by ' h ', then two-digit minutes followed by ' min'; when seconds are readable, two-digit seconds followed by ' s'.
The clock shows 9 h 56 min
